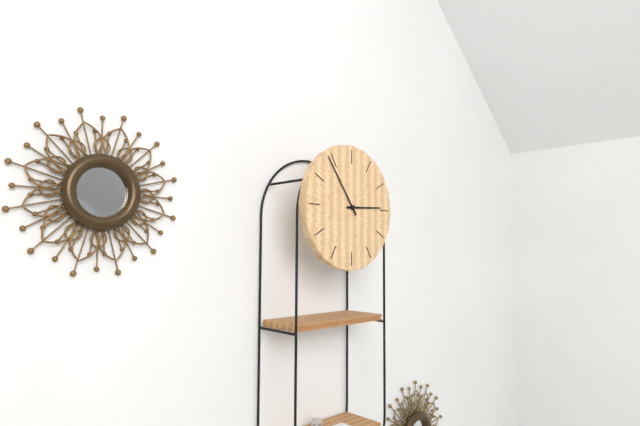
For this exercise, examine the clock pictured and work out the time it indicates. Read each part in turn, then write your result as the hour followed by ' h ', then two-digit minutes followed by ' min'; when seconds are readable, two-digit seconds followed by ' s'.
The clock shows 2 h 54 min
